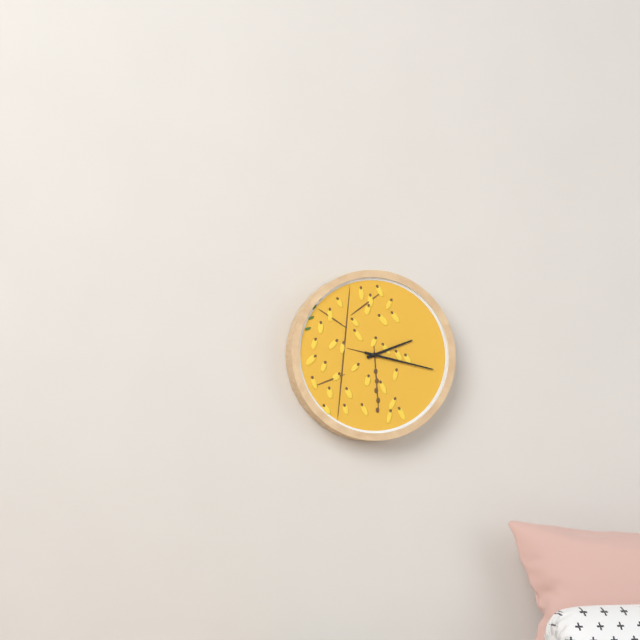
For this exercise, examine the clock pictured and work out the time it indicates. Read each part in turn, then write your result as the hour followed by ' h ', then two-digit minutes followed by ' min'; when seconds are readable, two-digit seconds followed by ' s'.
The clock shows 2 h 17 min
